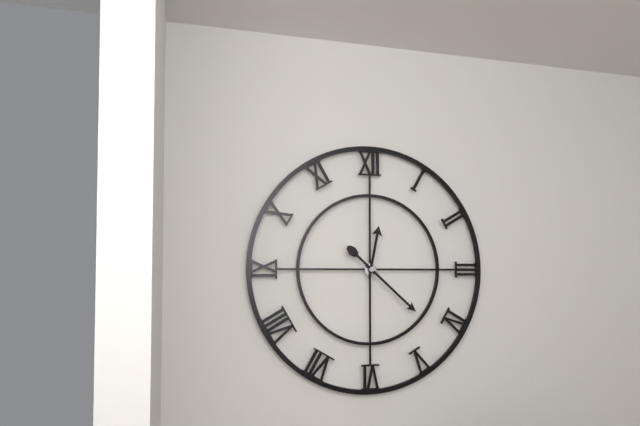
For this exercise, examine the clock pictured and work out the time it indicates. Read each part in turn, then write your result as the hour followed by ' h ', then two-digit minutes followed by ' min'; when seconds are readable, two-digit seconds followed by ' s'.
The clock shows 12 h 22 min
